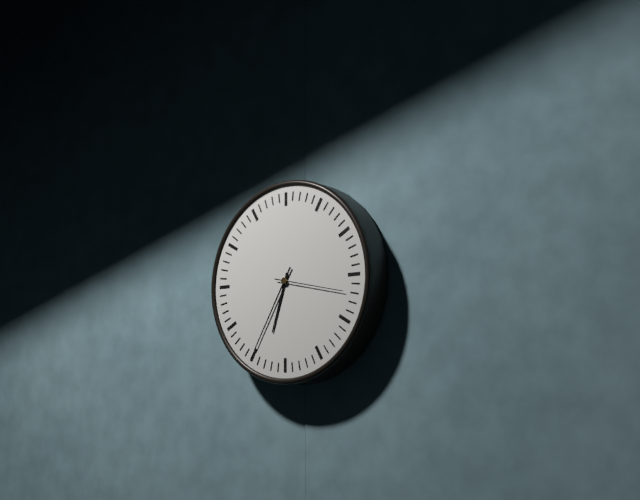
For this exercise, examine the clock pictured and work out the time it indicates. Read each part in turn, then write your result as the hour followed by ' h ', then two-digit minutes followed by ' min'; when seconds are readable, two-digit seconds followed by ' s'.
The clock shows 6 h 35 min
